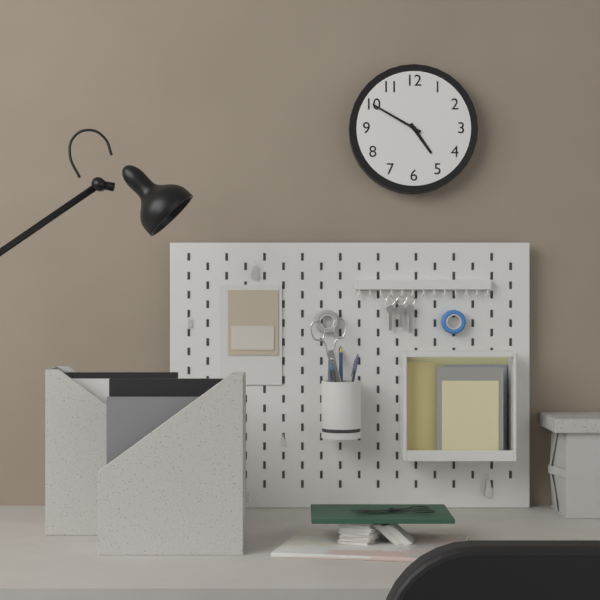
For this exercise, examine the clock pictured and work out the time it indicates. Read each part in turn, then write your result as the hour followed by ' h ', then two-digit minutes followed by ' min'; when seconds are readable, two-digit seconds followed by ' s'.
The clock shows 4 h 50 min
